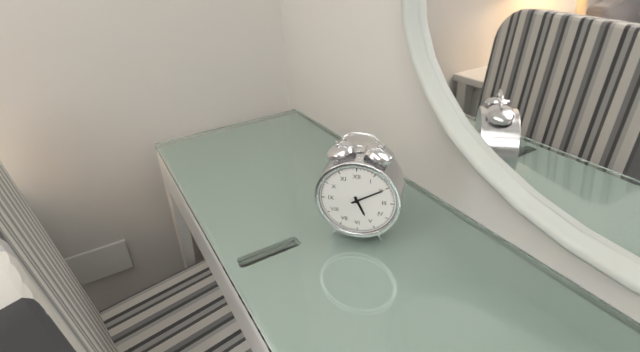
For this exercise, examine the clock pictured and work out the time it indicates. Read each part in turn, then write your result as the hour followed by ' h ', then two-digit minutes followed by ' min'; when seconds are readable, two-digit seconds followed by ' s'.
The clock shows 5 h 10 min
